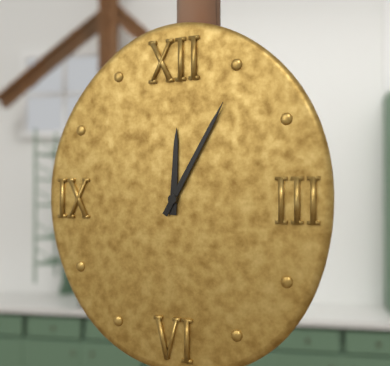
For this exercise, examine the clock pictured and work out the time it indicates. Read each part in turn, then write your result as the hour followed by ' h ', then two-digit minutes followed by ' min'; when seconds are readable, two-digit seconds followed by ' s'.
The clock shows 12 h 05 min
